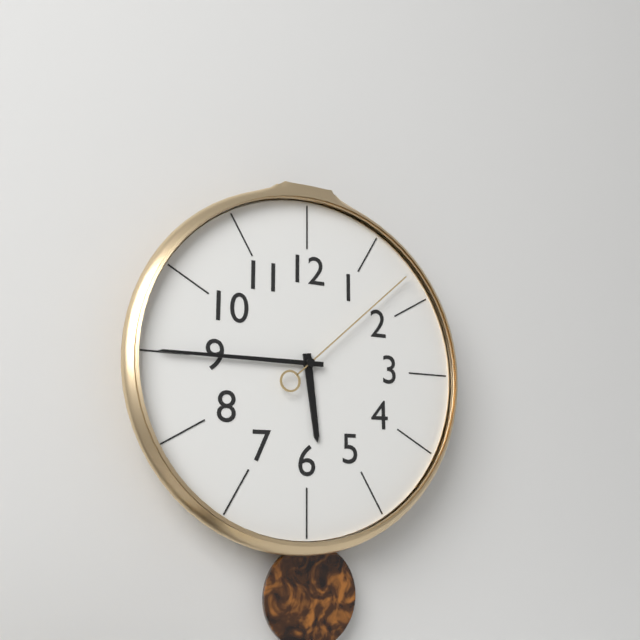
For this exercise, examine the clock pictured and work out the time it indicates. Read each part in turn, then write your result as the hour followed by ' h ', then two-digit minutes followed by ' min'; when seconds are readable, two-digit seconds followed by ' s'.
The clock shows 5 h 45 min 08 s
